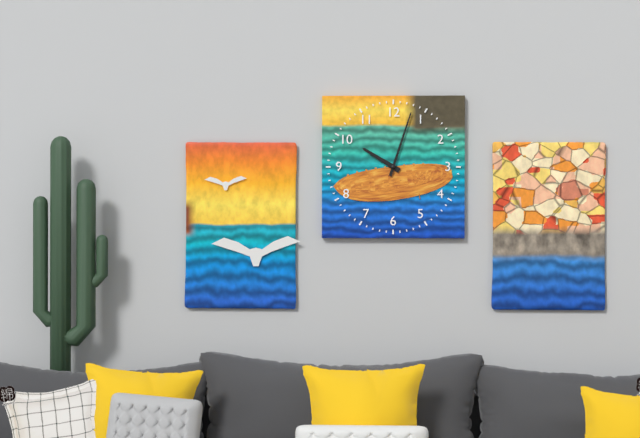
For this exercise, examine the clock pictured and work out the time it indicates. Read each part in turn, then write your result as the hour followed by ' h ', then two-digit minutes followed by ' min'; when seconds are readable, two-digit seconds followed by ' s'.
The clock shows 10 h 03 min
